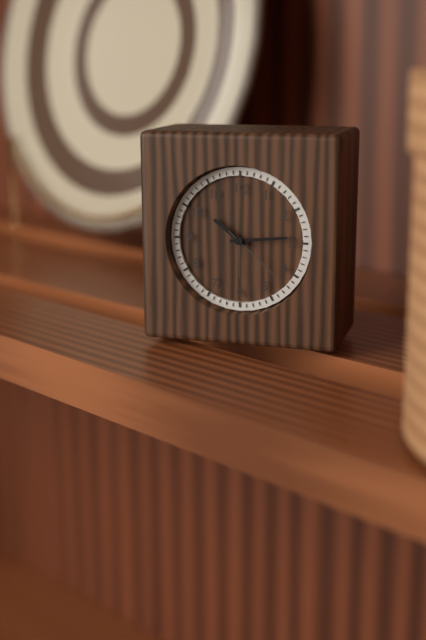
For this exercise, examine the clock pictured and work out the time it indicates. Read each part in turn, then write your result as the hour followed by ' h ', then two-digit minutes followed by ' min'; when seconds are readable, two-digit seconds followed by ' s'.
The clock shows 10 h 14 min 22 s
